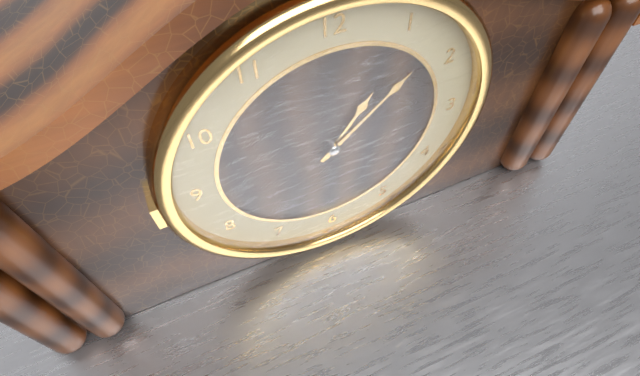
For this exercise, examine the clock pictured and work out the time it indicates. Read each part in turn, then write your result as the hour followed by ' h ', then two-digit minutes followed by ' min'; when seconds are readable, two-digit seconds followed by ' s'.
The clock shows 1 h 08 min
